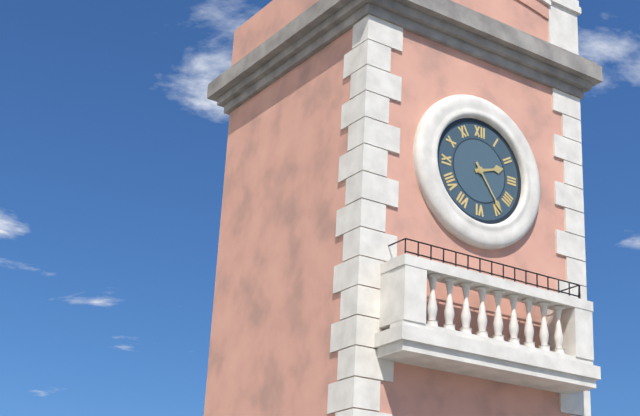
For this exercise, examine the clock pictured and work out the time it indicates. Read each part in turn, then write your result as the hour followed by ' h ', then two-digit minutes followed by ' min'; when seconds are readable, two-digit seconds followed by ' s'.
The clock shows 2 h 24 min
